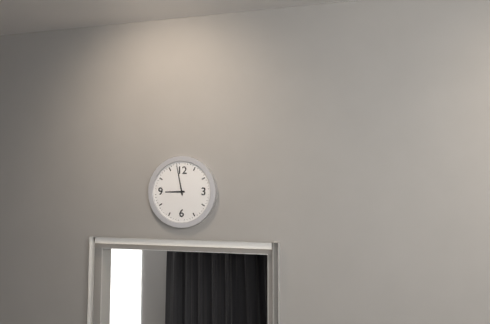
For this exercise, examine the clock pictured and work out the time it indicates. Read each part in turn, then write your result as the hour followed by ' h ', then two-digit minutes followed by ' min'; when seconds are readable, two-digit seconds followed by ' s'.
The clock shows 8 h 58 min
